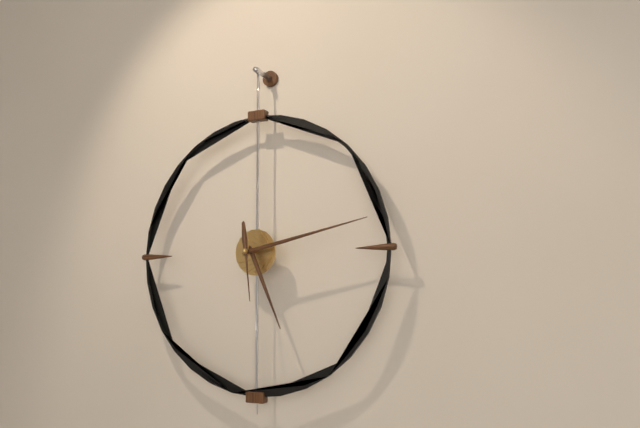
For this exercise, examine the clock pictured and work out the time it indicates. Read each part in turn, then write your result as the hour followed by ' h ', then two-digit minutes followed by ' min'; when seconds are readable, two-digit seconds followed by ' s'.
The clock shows 5 h 13 min 29 s
